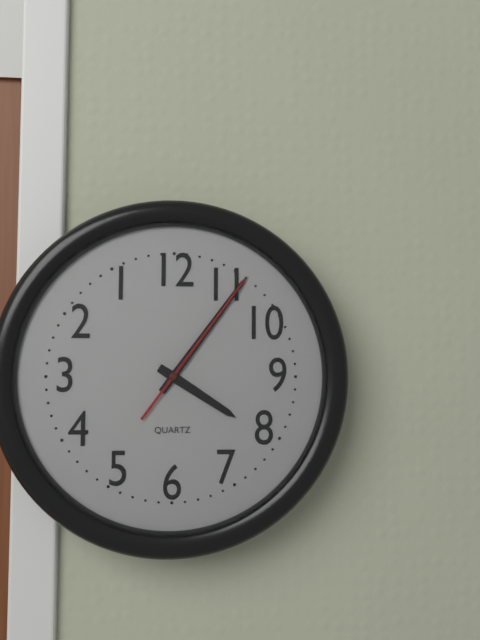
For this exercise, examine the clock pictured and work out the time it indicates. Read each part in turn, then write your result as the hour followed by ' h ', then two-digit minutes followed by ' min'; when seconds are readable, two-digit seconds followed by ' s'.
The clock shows 4 h 06 min 06 s
